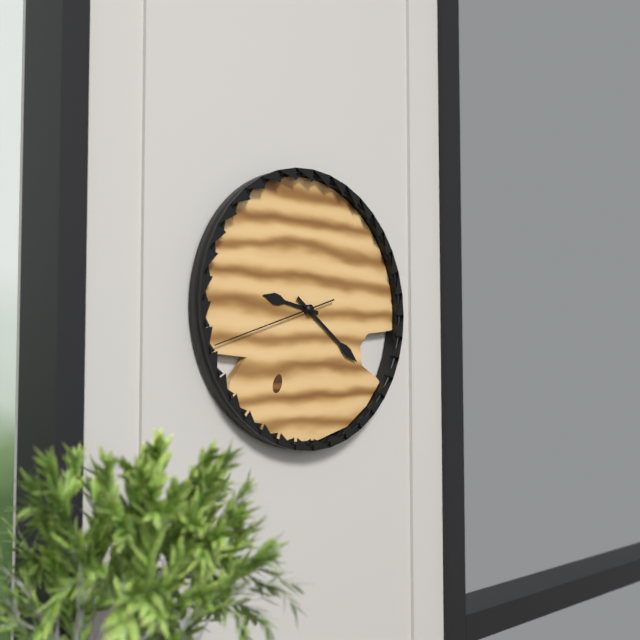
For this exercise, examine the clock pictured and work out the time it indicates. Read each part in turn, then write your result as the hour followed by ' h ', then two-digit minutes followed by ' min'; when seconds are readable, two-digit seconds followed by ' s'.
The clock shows 9 h 21 min 42 s
